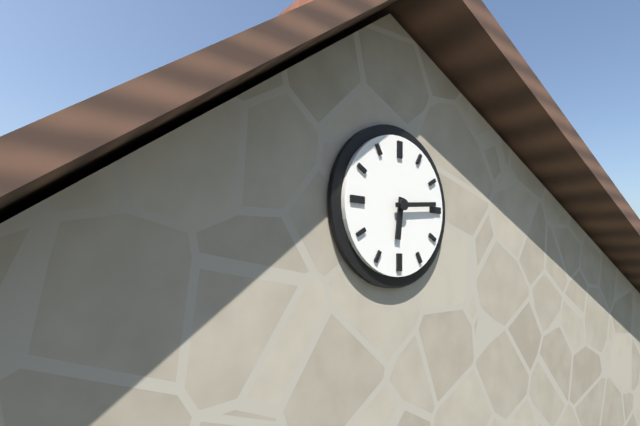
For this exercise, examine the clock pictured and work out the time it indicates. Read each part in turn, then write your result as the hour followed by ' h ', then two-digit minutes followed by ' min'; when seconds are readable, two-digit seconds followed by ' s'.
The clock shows 6 h 14 min
